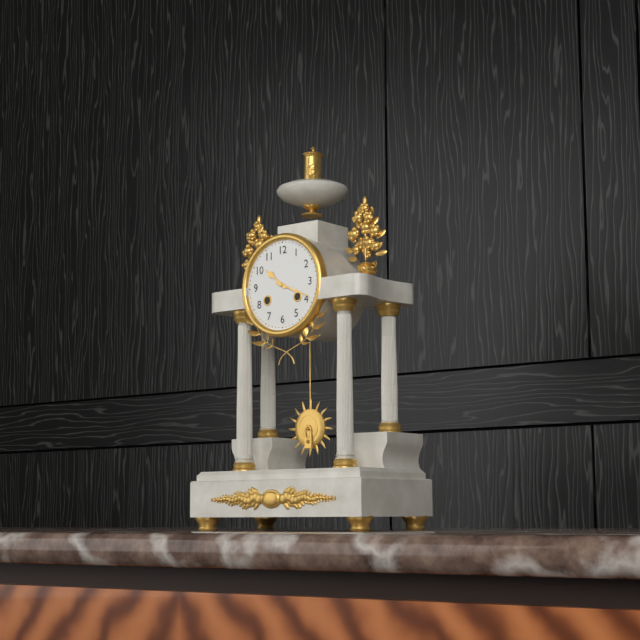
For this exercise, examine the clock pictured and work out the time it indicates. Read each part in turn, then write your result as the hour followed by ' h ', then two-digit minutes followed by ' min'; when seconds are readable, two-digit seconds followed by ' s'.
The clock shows 10 h 19 min
